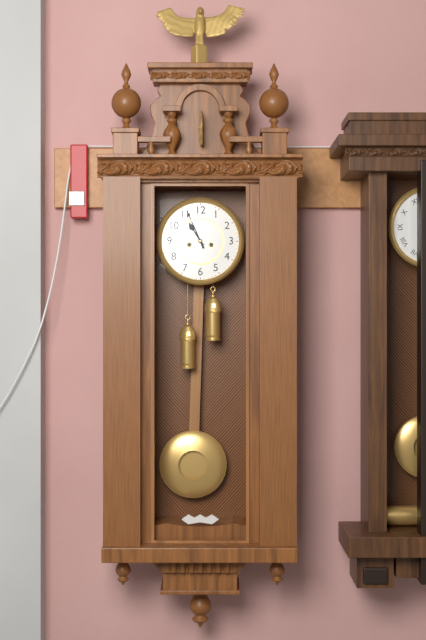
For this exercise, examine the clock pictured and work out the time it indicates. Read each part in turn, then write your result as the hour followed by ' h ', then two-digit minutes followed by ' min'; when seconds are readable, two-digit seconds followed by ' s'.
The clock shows 10 h 56 min
